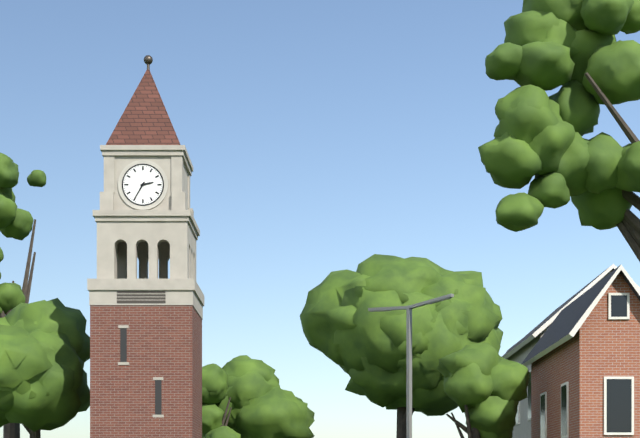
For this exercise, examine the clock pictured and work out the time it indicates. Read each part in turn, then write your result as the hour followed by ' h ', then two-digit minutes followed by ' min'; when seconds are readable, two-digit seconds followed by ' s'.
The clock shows 2 h 35 min
